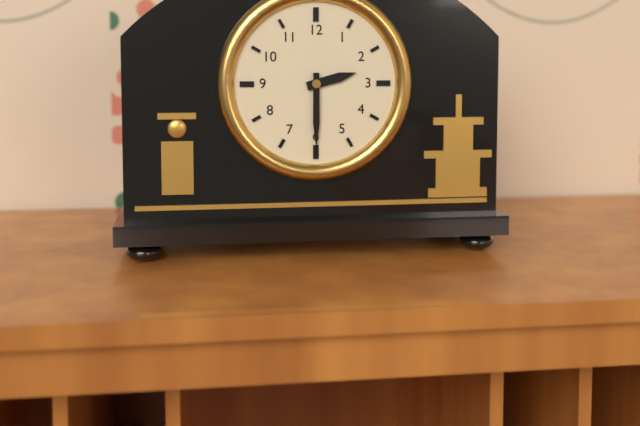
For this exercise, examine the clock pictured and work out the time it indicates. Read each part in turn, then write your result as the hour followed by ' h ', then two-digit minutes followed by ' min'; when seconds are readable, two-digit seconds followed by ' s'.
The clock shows 2 h 30 min
